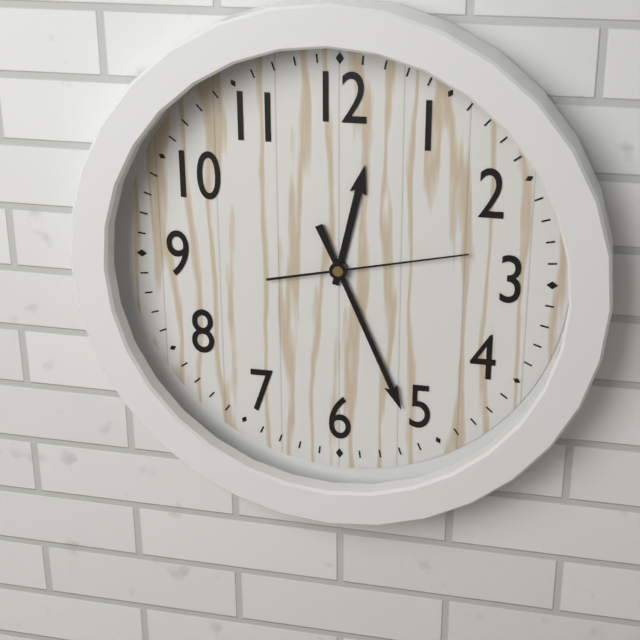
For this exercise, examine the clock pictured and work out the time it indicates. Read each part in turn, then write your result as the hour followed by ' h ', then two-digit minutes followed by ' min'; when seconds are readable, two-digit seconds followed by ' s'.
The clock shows 12 h 26 min 13 s
